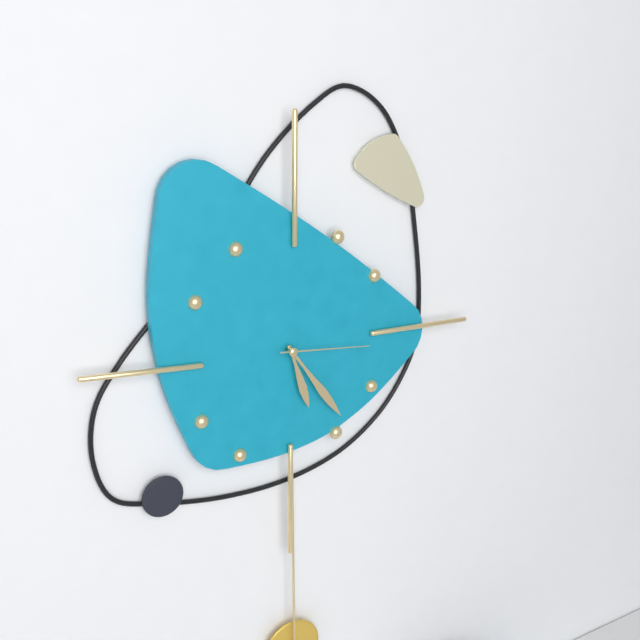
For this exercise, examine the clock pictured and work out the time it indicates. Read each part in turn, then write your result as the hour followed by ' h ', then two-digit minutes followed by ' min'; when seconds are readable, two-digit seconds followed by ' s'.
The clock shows 5 h 24 min 16 s
